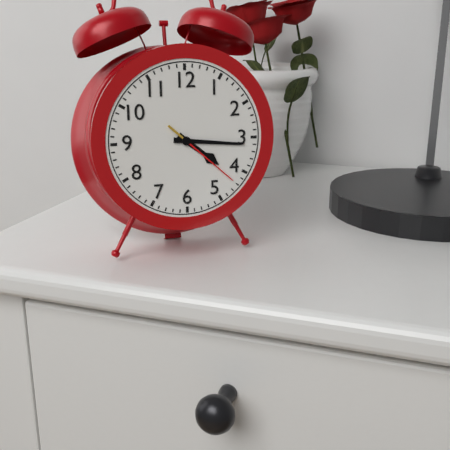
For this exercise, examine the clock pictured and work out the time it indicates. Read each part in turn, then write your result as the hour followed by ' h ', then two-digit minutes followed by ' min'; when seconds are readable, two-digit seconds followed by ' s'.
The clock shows 4 h 16 min 22 s
